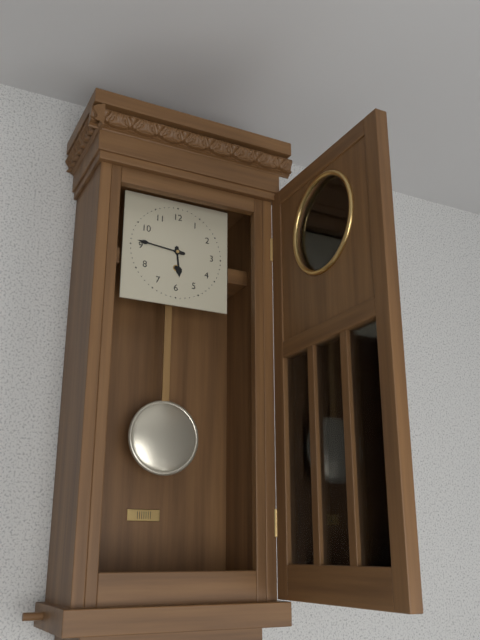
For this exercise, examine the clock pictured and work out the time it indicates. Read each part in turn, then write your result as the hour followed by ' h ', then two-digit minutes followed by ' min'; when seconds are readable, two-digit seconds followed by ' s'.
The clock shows 5 h 46 min
